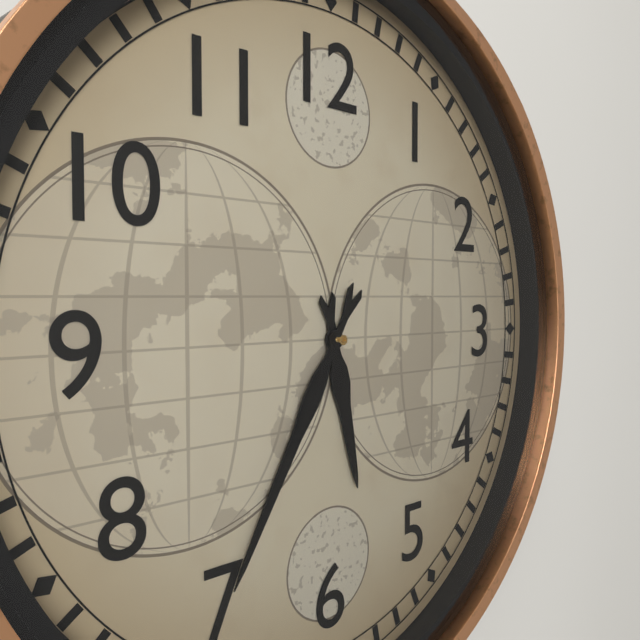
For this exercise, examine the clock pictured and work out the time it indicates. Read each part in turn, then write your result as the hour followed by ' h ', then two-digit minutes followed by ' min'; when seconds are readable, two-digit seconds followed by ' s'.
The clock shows 5 h 35 min
